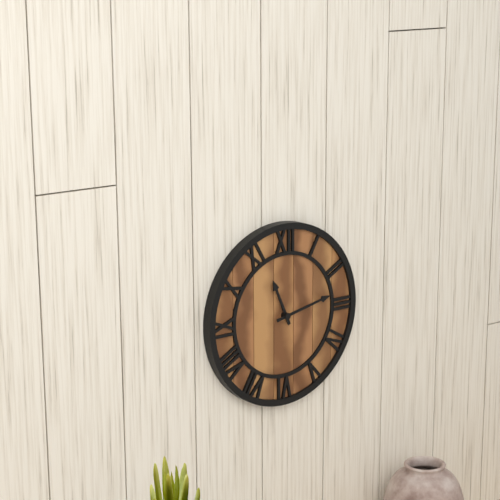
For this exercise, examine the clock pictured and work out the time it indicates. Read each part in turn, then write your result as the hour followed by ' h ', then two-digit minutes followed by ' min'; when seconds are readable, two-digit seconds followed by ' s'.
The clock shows 11 h 13 min
